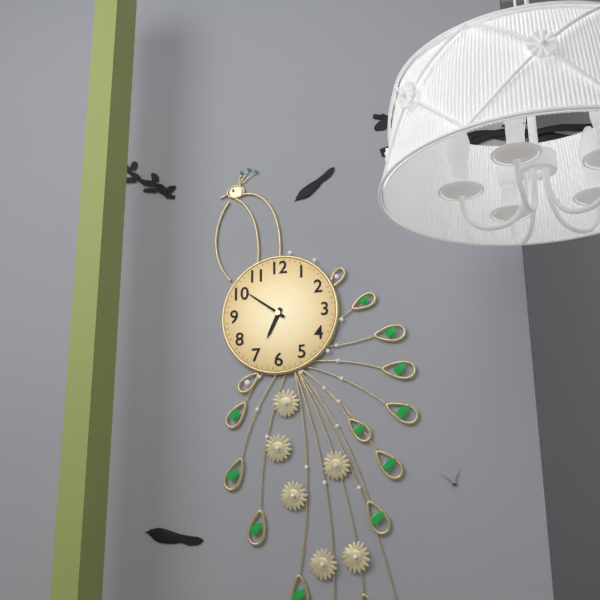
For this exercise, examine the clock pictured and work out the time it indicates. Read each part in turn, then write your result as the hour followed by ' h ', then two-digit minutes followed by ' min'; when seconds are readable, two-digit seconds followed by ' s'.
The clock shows 6 h 51 min
